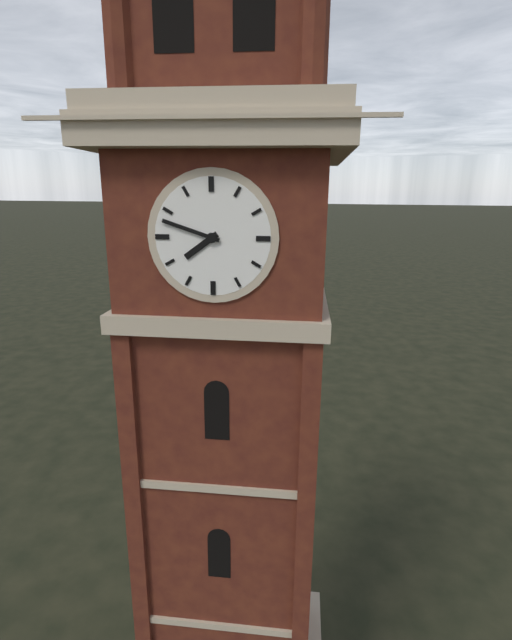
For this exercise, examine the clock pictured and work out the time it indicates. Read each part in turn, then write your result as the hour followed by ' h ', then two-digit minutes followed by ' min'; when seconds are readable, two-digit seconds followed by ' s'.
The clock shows 7 h 48 min
